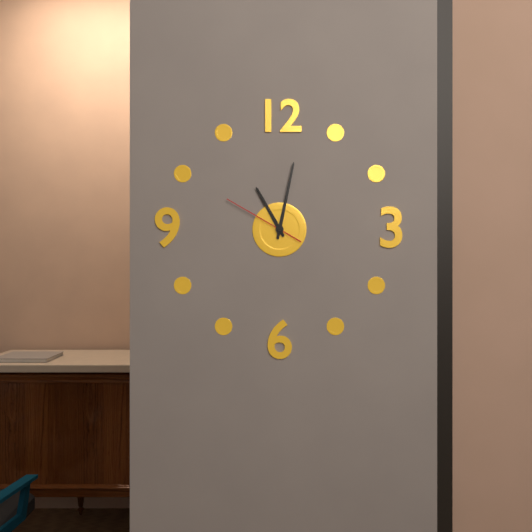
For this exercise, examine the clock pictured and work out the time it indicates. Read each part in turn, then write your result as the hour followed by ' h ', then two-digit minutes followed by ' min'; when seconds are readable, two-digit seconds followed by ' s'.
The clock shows 11 h 02 min 50 s
